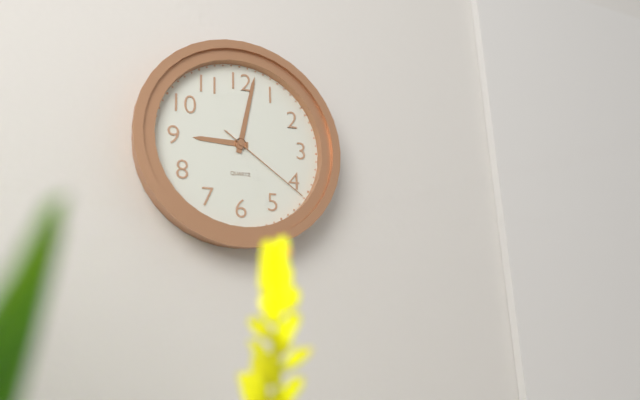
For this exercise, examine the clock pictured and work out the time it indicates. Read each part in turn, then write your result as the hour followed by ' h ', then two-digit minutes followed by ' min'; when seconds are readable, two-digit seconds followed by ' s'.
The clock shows 9 h 02 min 21 s
